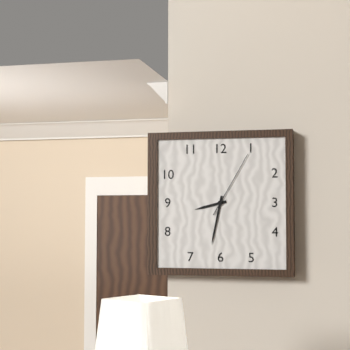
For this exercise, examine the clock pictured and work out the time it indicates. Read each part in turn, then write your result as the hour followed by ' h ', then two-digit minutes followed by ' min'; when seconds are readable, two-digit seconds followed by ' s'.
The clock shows 8 h 32 min 05 s
